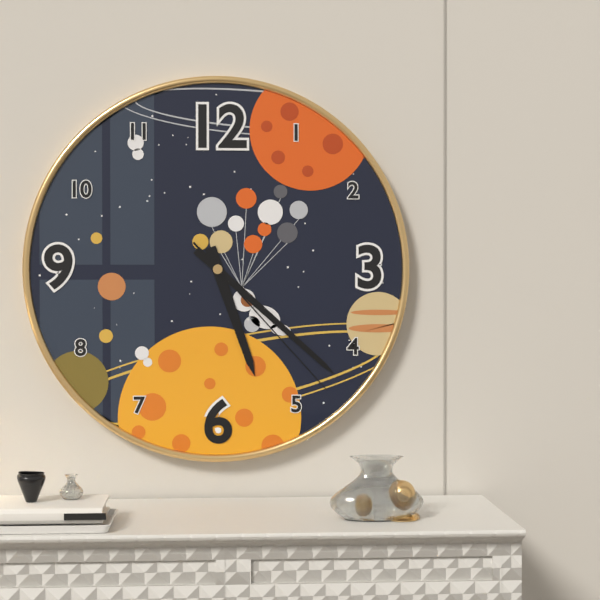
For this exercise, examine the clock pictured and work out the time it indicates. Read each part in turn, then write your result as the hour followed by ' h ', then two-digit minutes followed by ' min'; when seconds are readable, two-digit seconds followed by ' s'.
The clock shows 5 h 22 min 23 s
